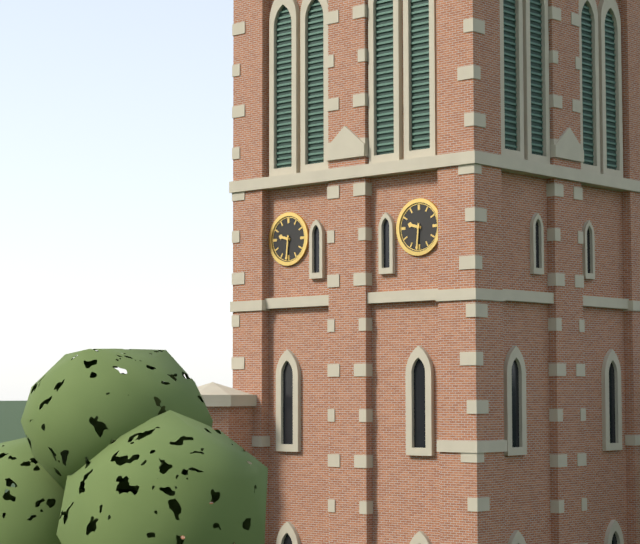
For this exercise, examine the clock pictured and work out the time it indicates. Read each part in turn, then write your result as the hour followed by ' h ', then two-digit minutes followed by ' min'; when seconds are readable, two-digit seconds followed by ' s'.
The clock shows 9 h 31 min
